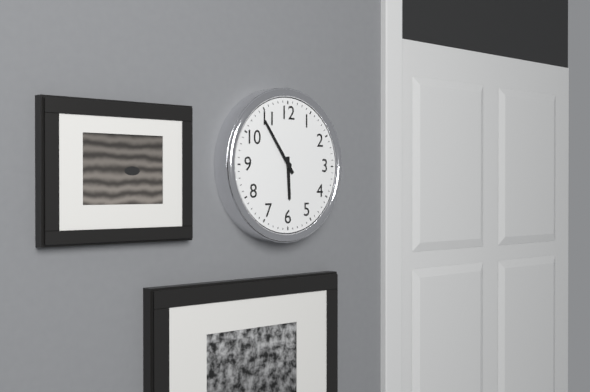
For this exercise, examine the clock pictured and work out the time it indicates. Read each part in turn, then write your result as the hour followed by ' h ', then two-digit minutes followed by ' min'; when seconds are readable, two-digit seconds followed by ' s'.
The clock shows 5 h 54 min
